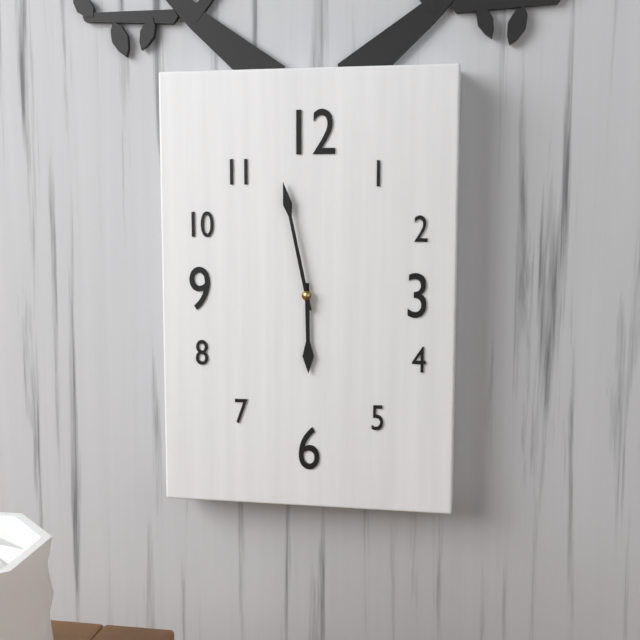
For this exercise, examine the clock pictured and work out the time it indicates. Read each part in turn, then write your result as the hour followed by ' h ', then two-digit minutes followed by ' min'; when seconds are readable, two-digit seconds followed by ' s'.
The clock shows 5 h 58 min
